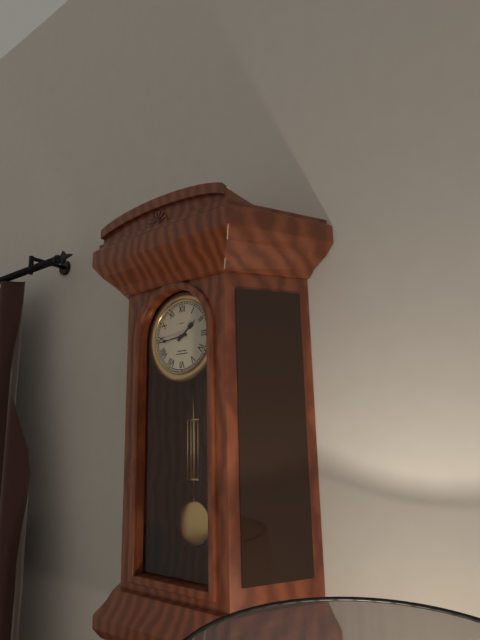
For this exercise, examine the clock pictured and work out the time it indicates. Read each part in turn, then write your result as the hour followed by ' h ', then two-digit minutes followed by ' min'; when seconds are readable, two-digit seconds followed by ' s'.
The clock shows 1 h 44 min
